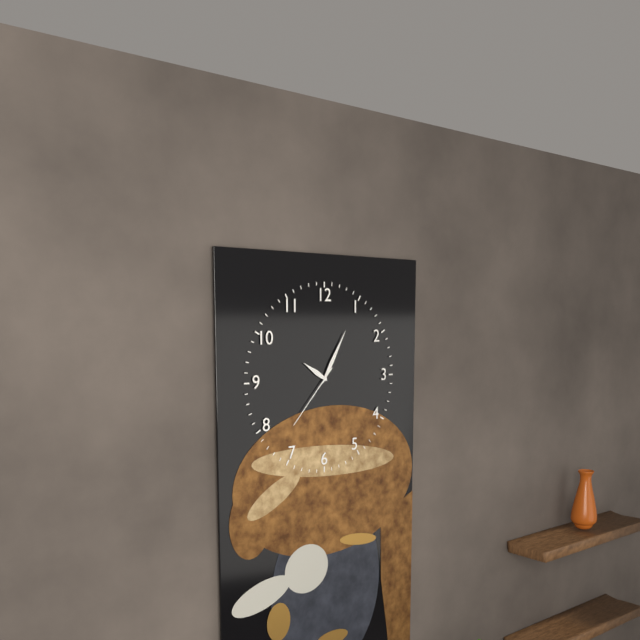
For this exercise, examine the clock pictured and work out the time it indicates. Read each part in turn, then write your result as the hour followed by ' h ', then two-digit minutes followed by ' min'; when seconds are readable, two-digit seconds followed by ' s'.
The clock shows 10 h 05 min 37 s
